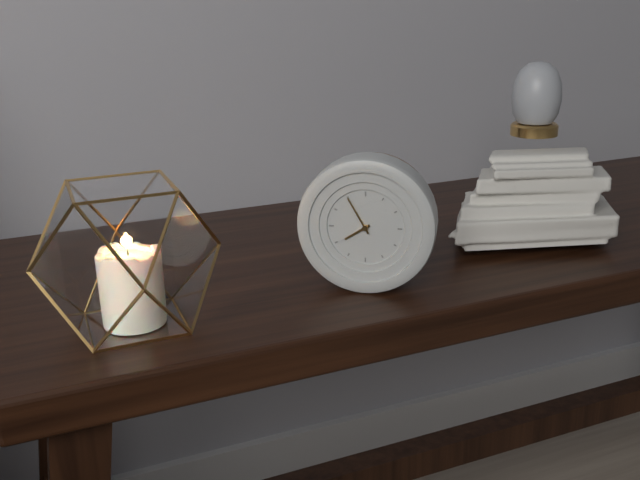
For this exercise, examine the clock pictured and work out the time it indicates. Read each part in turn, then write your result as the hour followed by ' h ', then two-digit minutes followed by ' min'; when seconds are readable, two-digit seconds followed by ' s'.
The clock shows 7 h 55 min
